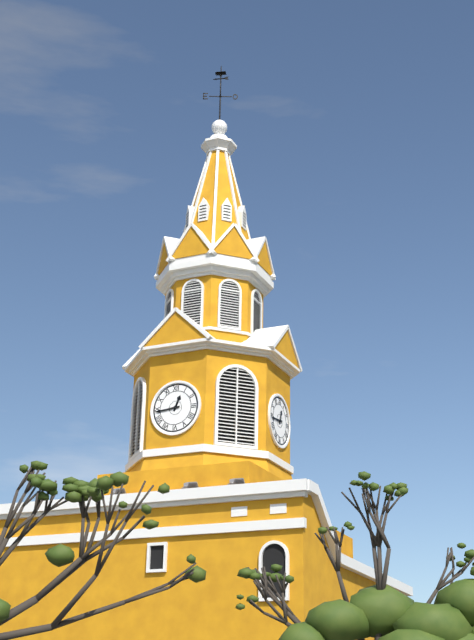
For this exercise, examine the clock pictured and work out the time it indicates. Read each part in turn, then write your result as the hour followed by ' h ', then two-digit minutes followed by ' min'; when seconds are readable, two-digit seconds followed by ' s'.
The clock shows 12 h 44 min
